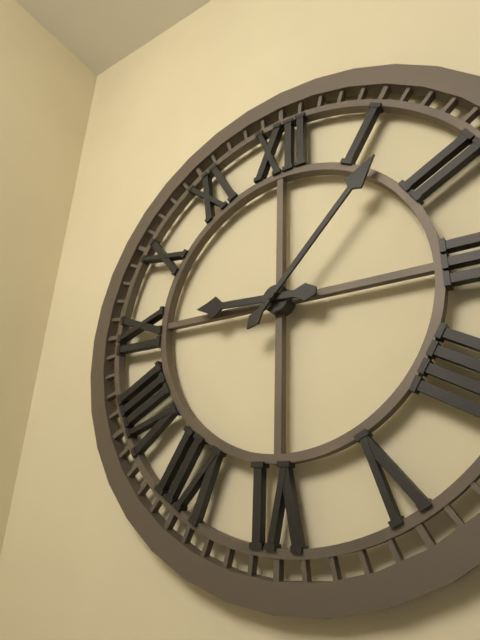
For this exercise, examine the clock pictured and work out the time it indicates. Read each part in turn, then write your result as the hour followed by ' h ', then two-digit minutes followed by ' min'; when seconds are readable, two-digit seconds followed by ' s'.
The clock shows 9 h 07 min
